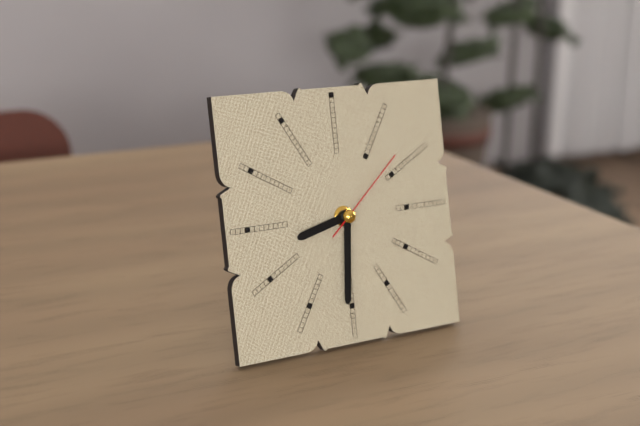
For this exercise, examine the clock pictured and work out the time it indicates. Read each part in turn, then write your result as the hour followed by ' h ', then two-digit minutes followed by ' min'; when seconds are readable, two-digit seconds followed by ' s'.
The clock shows 8 h 31 min 08 s
